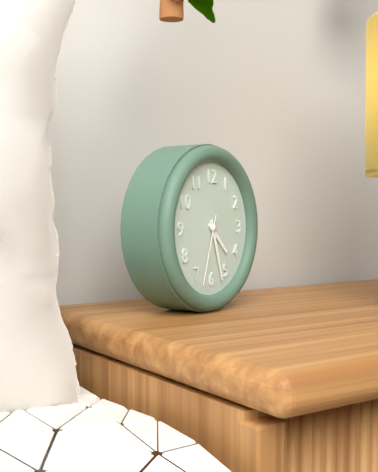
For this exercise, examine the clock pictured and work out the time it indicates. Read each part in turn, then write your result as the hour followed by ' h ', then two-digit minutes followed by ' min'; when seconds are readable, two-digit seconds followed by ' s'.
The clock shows 4 h 27 min 33 s
